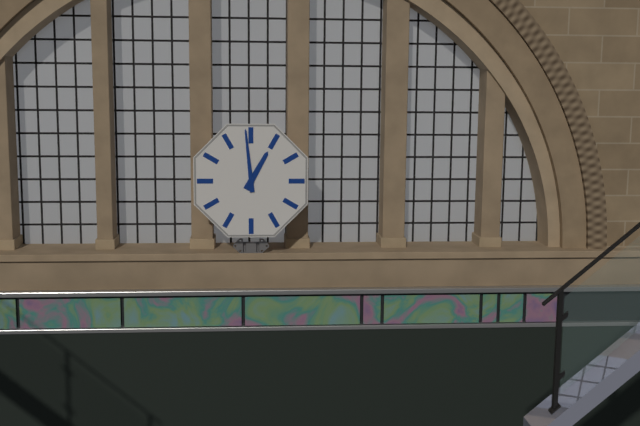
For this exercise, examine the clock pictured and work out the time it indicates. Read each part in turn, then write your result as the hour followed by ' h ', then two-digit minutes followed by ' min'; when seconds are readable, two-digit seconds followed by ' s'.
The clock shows 12 h 59 min
